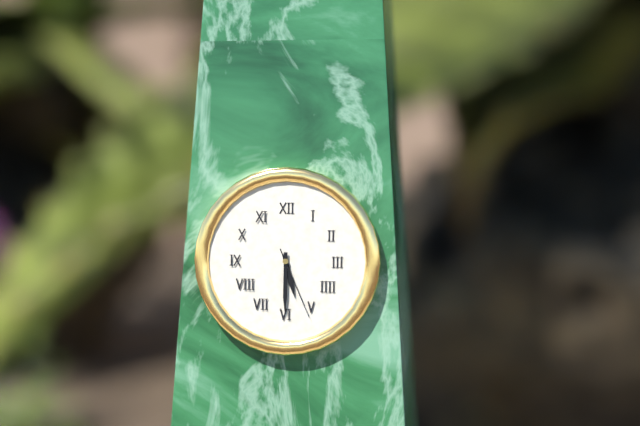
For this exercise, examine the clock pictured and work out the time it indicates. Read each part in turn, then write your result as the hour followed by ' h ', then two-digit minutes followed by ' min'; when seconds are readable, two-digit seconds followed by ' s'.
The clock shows 5 h 30 min 26 s
